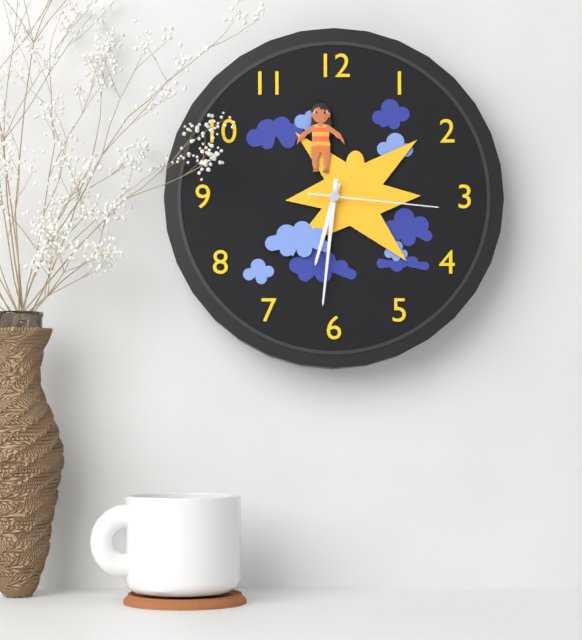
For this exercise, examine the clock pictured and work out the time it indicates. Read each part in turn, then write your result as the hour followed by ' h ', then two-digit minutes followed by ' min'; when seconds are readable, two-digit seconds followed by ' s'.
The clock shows 6 h 31 min 16 s
